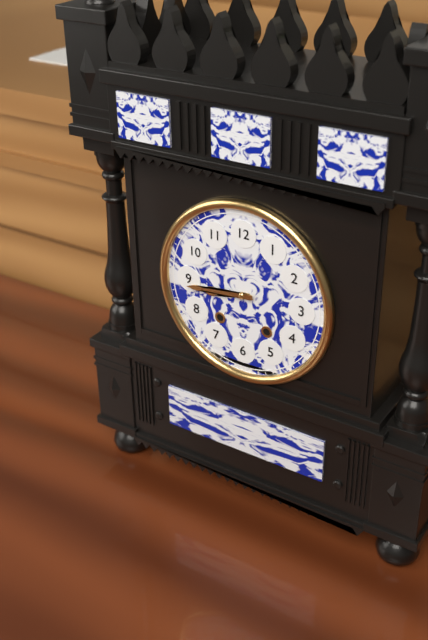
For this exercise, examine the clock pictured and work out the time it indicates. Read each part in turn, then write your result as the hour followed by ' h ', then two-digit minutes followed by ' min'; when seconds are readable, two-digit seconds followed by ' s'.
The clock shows 8 h 44 min
